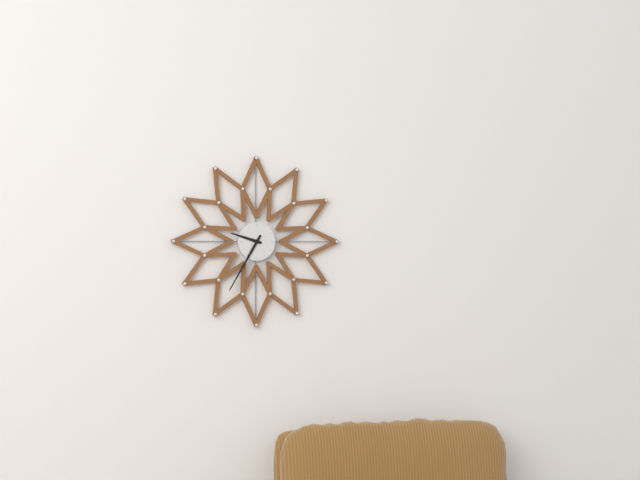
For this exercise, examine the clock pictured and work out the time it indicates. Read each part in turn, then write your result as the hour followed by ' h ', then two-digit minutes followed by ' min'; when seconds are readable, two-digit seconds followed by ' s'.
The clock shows 9 h 35 min
